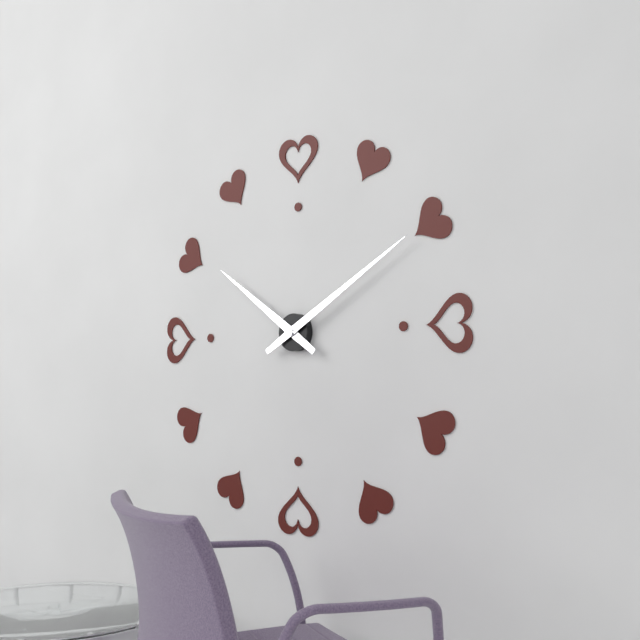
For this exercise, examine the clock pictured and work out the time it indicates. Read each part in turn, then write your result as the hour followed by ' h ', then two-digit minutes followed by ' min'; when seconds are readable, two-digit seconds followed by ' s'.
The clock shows 10 h 10 min
